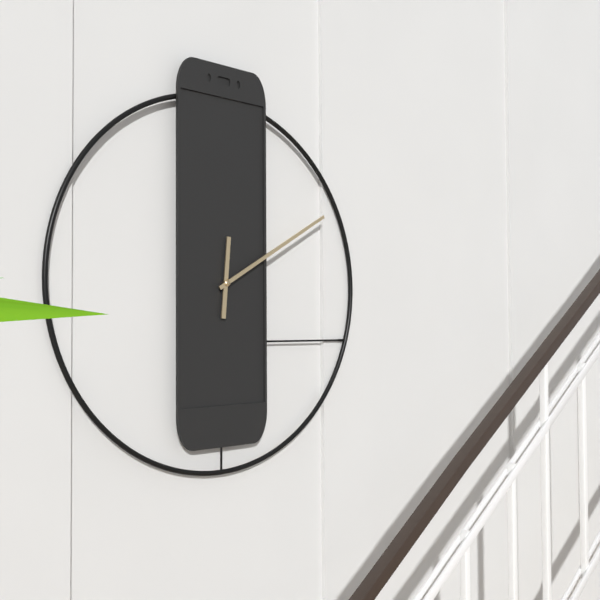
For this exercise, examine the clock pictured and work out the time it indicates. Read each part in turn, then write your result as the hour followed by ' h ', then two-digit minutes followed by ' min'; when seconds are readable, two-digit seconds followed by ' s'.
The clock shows 12 h 10 min
